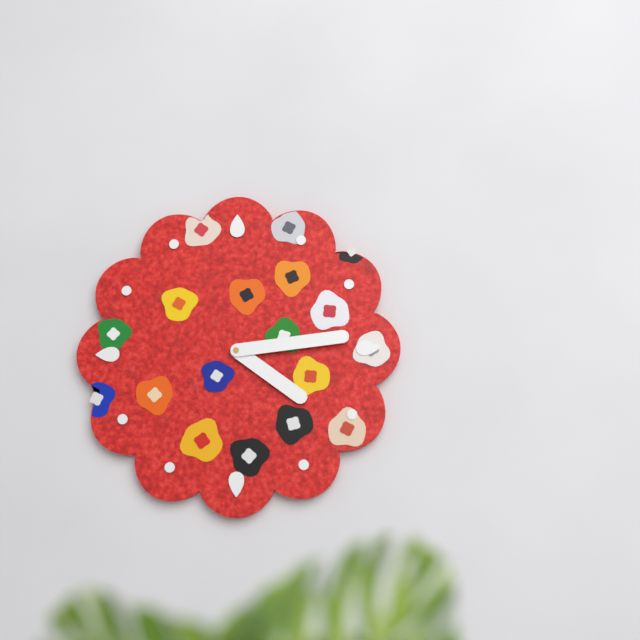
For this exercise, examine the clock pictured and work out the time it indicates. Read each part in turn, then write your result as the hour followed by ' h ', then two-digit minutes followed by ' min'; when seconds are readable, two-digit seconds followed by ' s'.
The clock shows 4 h 14 min
